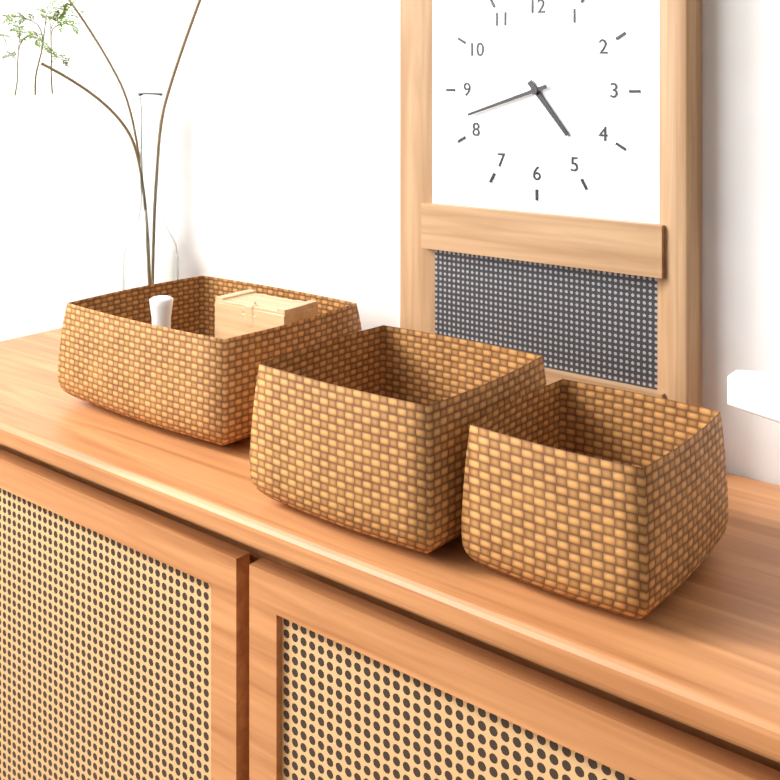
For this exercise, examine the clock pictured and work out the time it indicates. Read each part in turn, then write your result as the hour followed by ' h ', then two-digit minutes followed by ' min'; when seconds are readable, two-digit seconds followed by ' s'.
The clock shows 4 h 42 min
